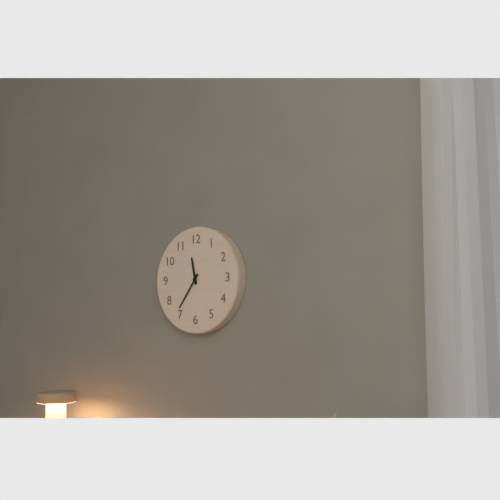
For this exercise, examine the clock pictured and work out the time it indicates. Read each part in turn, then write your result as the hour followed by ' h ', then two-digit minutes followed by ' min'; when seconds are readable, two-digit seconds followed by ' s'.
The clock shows 11 h 36 min
